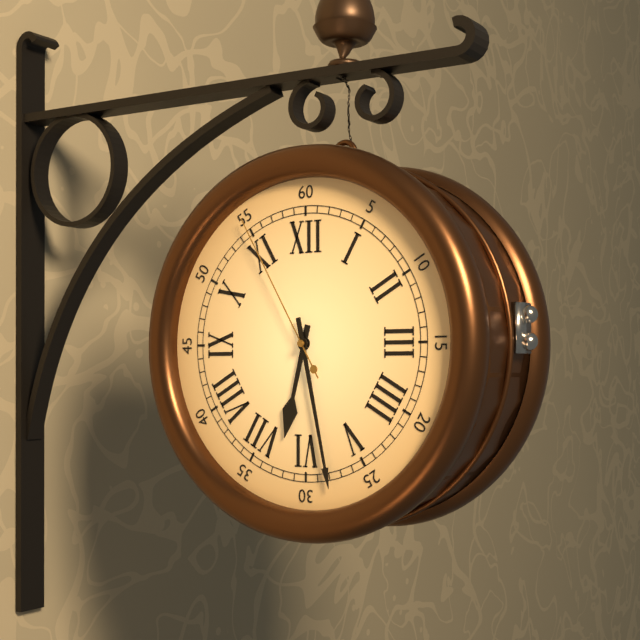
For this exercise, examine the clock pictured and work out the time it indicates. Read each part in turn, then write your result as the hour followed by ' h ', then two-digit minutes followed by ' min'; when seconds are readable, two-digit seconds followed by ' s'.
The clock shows 6 h 28 min 55 s
